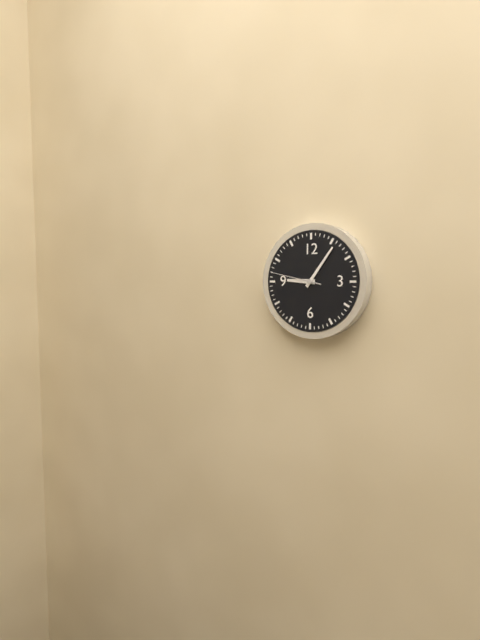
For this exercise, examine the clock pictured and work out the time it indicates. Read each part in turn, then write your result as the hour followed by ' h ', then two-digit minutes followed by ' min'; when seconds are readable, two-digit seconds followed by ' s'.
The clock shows 9 h 06 min
